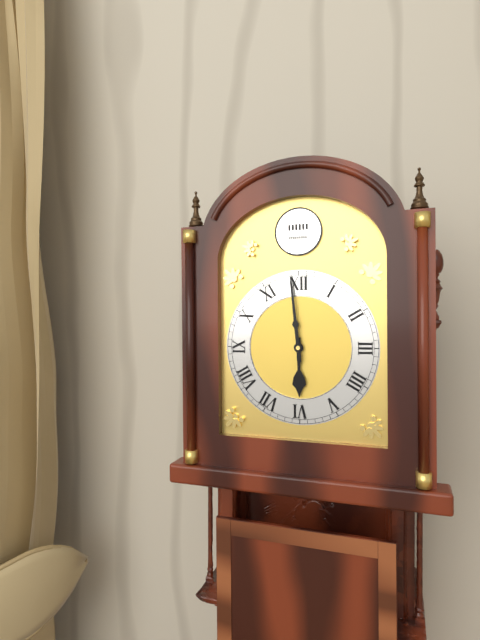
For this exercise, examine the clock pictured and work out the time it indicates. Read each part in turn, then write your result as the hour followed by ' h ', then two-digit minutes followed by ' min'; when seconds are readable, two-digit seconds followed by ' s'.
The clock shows 5 h 59 min
